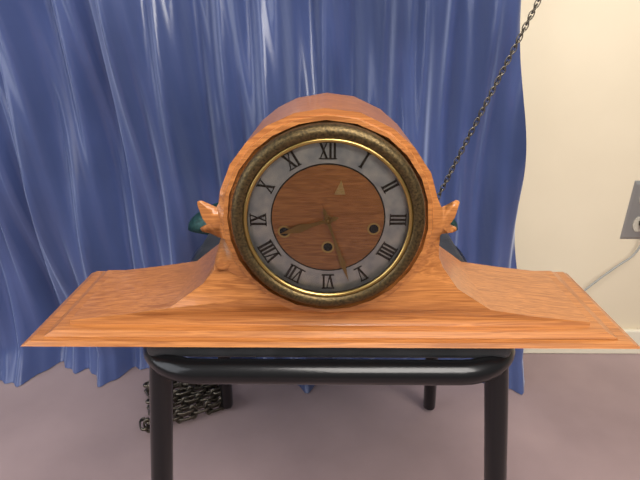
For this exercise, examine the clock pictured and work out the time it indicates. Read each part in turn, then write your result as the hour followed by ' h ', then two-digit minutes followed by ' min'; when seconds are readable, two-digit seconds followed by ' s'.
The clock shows 8 h 27 min
